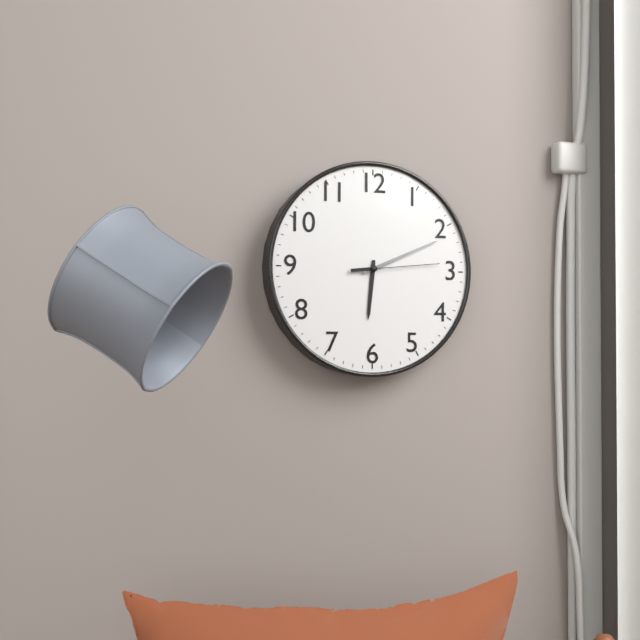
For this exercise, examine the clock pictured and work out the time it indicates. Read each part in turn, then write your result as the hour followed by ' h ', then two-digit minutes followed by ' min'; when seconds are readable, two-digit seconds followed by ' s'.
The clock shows 6 h 11 min 14 s
